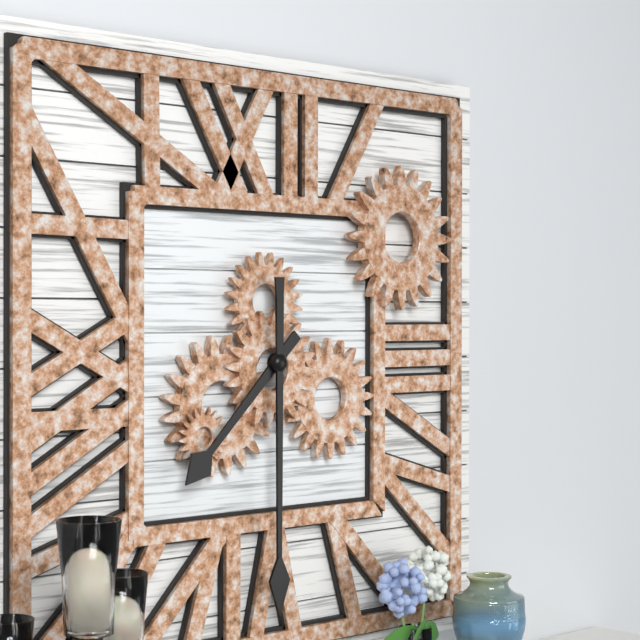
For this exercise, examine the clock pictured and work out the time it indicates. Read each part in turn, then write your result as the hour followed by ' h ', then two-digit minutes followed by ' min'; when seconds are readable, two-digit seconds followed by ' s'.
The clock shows 7 h 30 min
